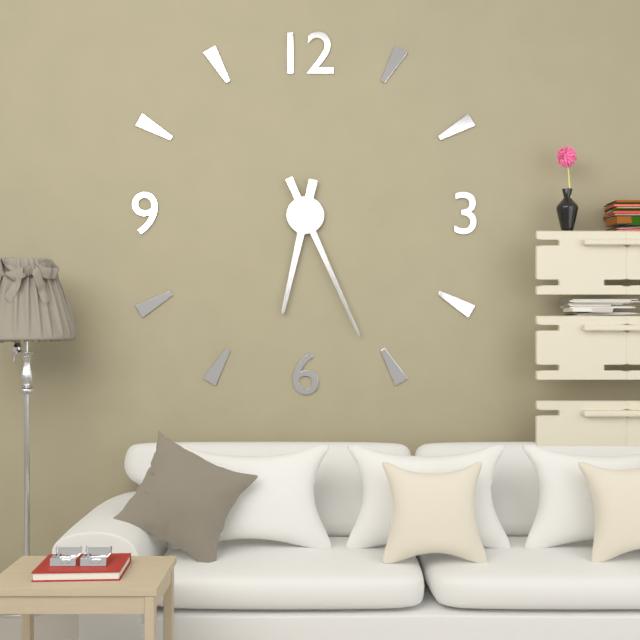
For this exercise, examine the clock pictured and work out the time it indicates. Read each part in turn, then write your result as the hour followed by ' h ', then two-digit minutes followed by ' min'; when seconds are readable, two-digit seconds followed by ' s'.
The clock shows 6 h 26 min
